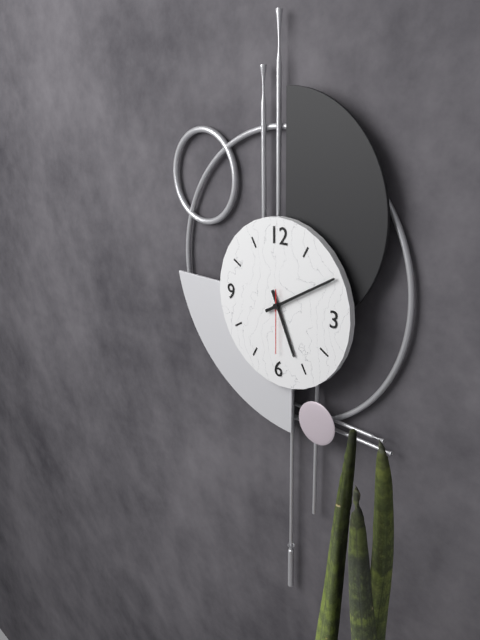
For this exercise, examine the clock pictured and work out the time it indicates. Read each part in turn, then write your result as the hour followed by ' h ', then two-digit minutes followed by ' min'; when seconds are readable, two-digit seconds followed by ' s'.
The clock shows 5 h 10 min 30 s
